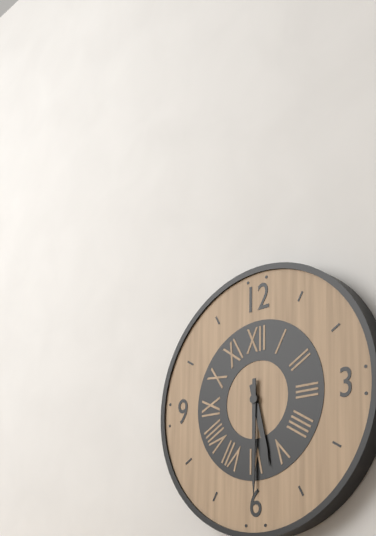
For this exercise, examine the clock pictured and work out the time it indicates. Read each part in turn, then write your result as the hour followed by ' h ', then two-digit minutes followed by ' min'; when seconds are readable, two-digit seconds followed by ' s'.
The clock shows 5 h 30 min
